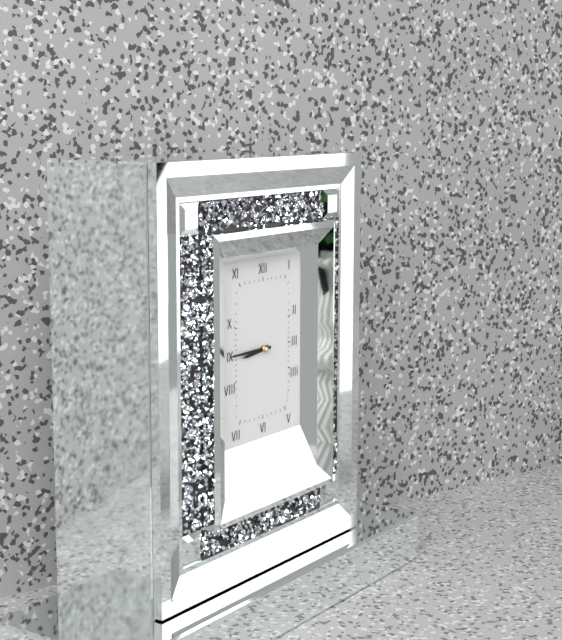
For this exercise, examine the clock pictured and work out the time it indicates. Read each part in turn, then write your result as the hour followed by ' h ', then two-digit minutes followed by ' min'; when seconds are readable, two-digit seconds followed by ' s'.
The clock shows 8 h 45 min
